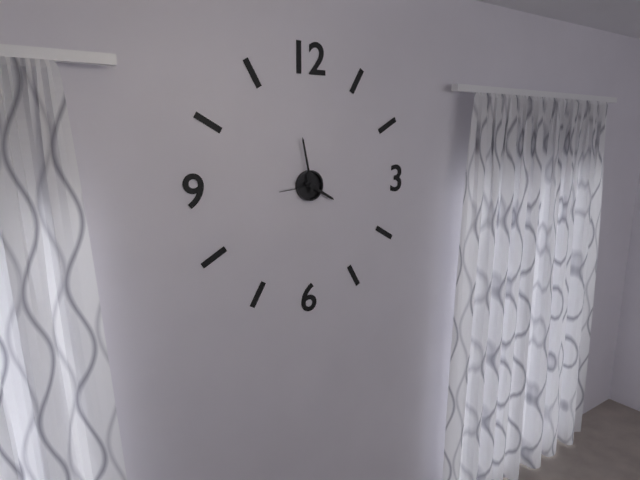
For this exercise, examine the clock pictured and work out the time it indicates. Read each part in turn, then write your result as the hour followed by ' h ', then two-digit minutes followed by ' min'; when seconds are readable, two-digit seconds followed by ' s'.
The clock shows 3 h 58 min
